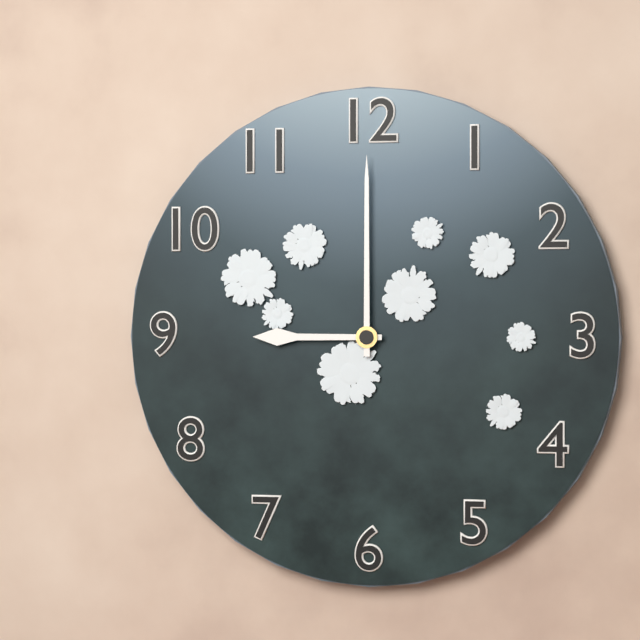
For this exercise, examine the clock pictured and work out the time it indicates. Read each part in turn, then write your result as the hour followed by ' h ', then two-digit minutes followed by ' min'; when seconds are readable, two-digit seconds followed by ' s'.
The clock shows 9 h 00 min
